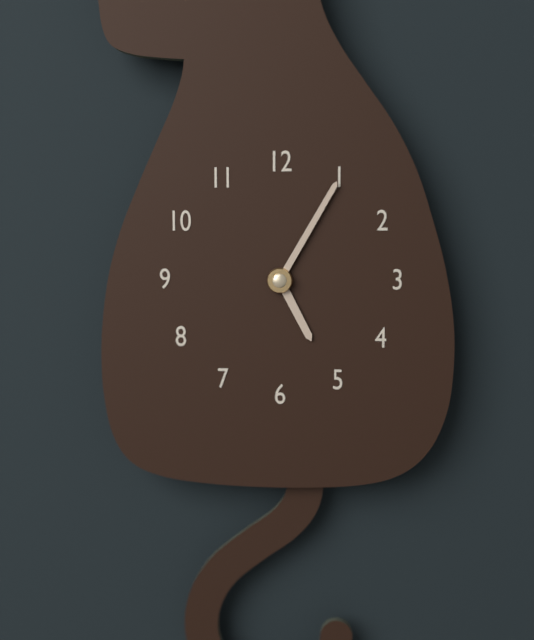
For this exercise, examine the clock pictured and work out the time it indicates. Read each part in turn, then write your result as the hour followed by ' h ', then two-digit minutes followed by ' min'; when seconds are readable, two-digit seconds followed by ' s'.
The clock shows 5 h 05 min
